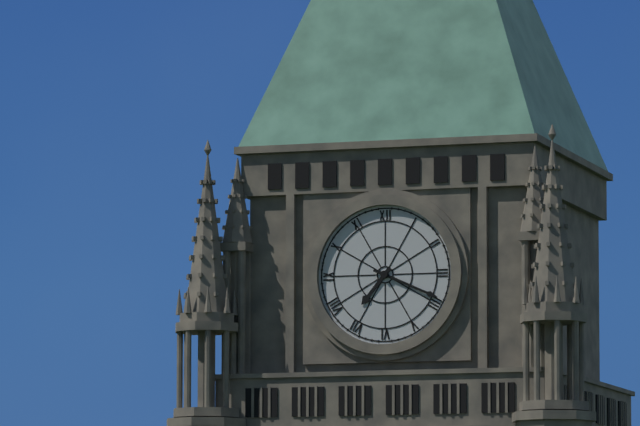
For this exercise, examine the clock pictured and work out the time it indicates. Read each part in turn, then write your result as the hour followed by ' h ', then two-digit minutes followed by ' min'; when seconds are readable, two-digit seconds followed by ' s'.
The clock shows 7 h 19 min
